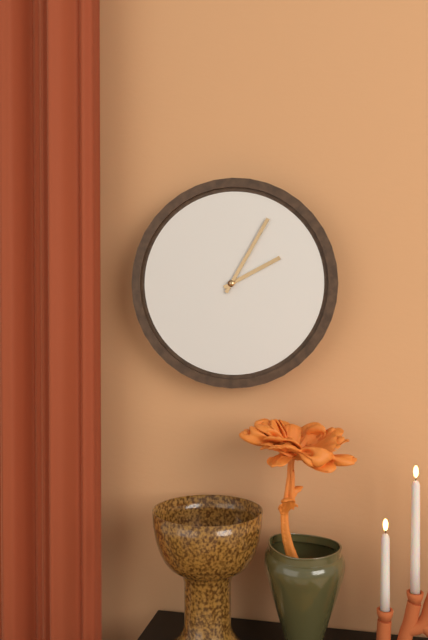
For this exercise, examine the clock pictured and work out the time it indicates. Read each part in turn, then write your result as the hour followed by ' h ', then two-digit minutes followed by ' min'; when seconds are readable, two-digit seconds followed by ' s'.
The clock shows 2 h 05 min
